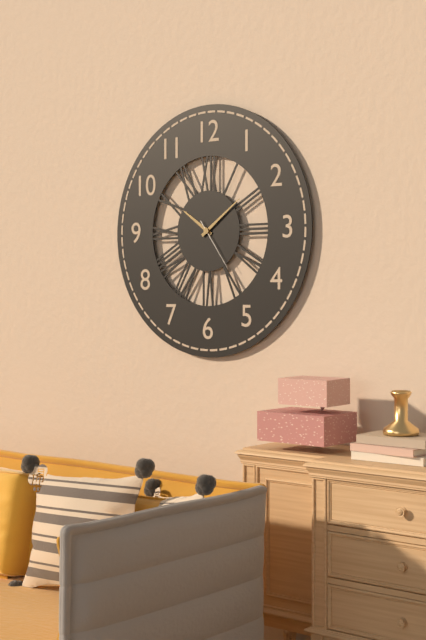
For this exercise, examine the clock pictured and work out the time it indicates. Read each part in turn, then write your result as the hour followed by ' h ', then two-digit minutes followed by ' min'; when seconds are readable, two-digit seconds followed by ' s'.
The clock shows 10 h 09 min 24 s
